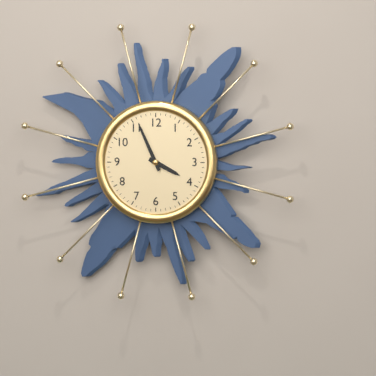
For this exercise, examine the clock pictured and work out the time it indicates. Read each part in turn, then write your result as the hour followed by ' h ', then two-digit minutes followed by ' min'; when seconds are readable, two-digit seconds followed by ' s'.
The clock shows 3 h 56 min
